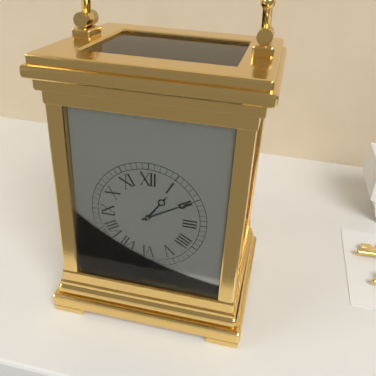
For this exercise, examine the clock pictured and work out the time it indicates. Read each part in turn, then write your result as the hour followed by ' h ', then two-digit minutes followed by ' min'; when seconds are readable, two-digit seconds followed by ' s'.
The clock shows 1 h 10 min
